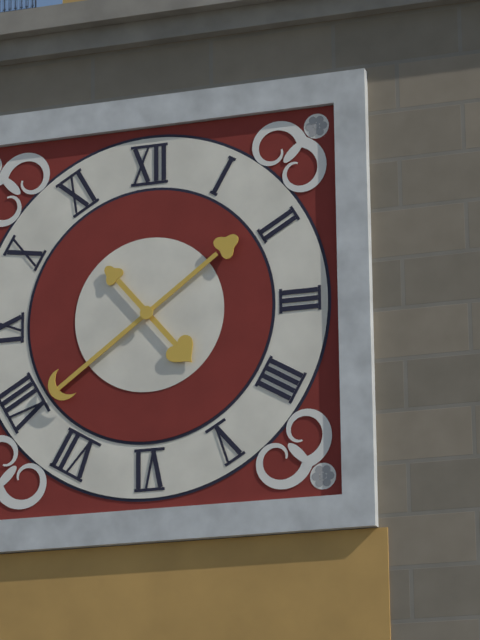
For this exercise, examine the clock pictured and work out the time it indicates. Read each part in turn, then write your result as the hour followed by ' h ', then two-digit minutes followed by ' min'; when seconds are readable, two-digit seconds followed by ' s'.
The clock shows 4 h 39 min
